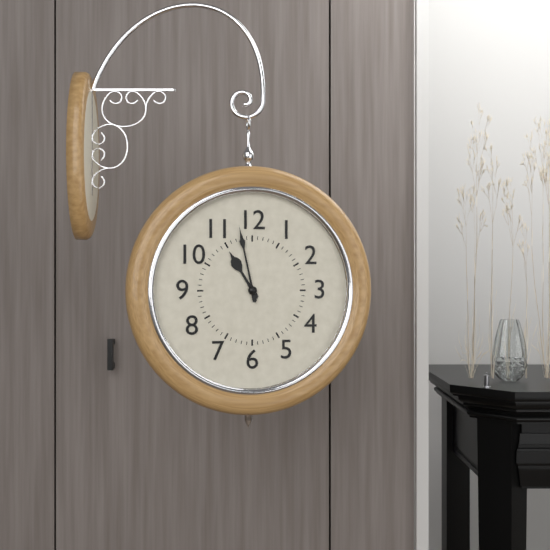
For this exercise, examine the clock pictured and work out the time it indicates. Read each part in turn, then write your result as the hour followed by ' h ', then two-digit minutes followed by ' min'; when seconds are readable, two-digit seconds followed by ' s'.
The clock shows 10 h 58 min
